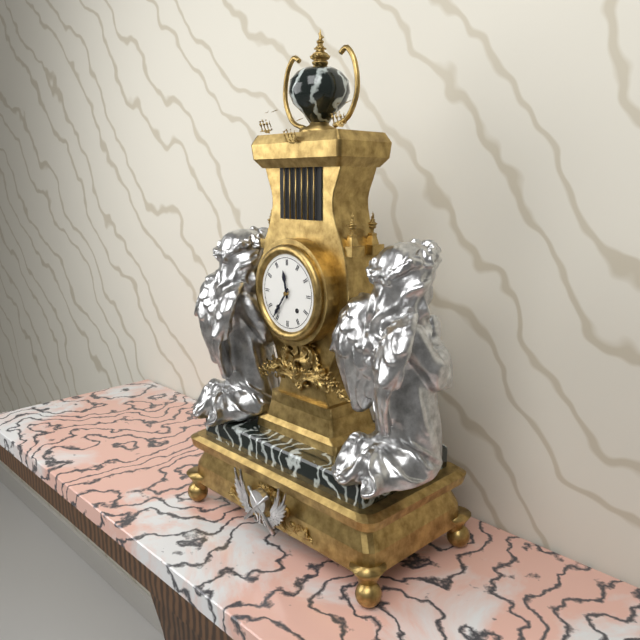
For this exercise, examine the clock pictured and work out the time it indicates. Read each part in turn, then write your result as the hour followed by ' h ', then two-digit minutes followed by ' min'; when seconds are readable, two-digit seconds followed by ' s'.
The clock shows 11 h 36 min
